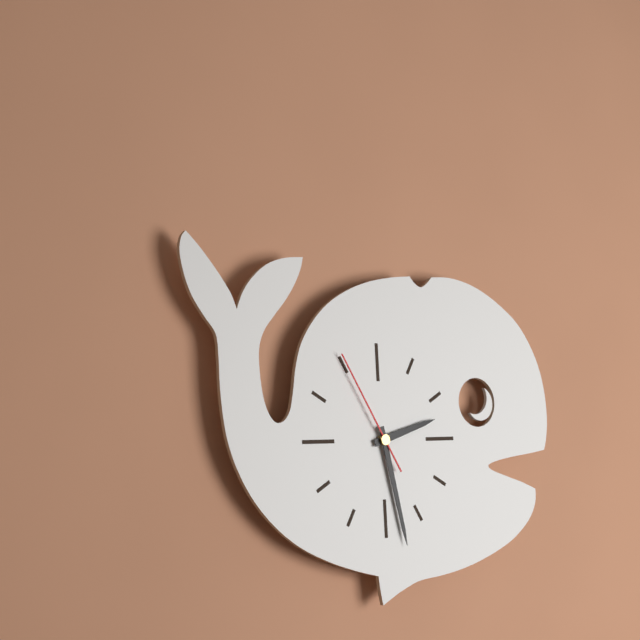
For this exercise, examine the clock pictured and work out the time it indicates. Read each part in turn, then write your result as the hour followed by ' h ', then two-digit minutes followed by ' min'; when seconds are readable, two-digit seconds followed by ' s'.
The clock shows 2 h 28 min 55 s
